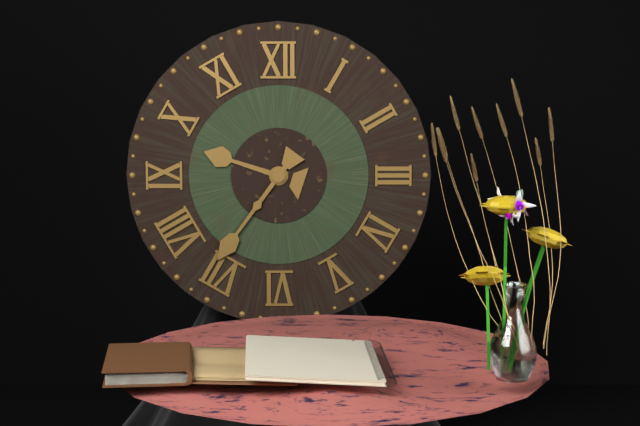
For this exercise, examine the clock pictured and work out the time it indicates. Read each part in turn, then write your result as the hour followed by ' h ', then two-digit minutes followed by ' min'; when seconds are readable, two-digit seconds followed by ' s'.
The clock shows 9 h 36 min
